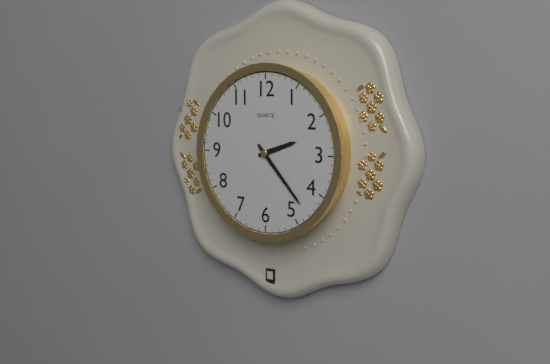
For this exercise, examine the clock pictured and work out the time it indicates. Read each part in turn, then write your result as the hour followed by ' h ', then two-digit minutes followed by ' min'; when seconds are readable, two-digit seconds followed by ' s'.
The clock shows 2 h 23 min
